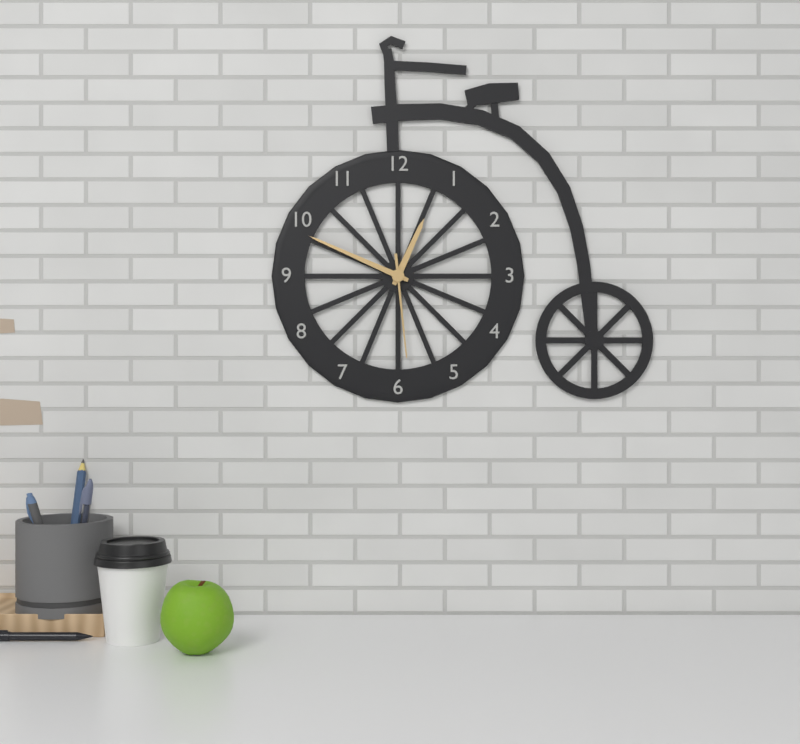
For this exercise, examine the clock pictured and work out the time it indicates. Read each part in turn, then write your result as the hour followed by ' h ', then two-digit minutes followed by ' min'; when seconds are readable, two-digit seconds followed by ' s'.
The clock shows 12 h 49 min 29 s
